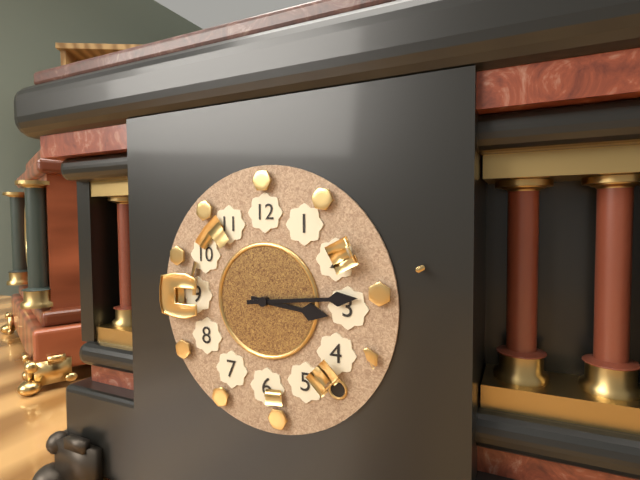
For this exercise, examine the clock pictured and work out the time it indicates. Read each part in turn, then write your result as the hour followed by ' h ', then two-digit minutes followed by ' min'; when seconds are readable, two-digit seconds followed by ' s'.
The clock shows 3 h 14 min
